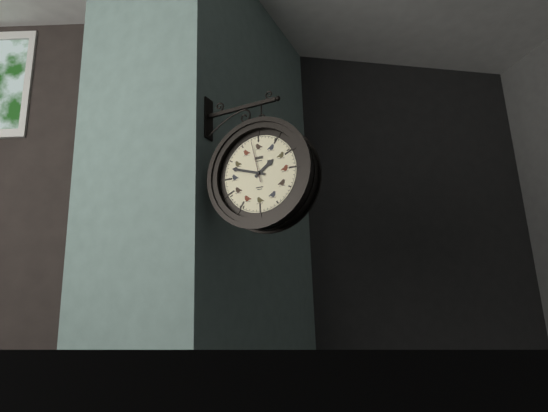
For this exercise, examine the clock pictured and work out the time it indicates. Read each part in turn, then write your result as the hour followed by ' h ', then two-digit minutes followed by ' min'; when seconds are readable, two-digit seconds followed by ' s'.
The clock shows 1 h 48 min
